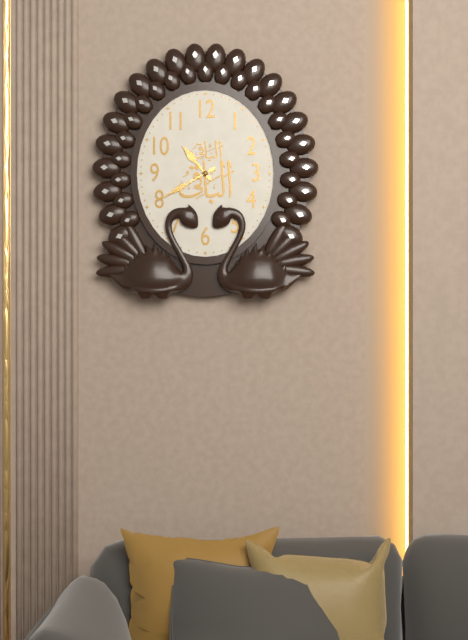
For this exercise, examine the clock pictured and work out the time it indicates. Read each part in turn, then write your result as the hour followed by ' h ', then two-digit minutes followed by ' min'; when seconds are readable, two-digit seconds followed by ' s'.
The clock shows 10 h 40 min
